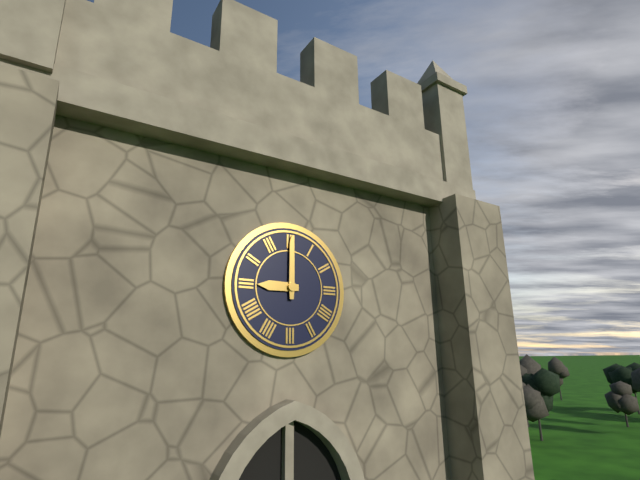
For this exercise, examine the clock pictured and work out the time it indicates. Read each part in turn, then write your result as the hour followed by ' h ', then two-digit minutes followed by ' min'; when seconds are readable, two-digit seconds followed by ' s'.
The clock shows 9 h 00 min
